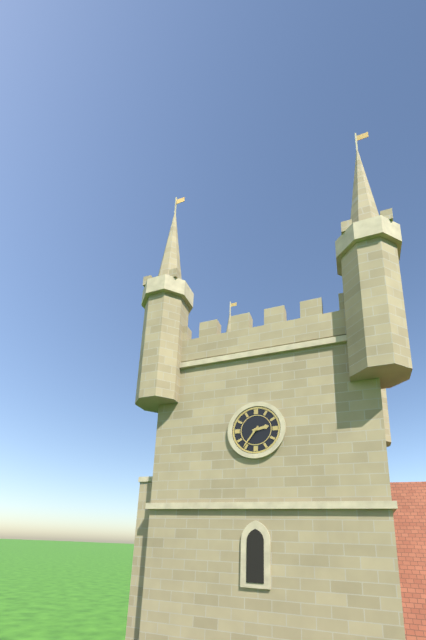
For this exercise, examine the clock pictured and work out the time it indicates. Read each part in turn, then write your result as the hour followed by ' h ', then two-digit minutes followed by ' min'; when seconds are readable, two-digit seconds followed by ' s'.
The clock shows 2 h 36 min
